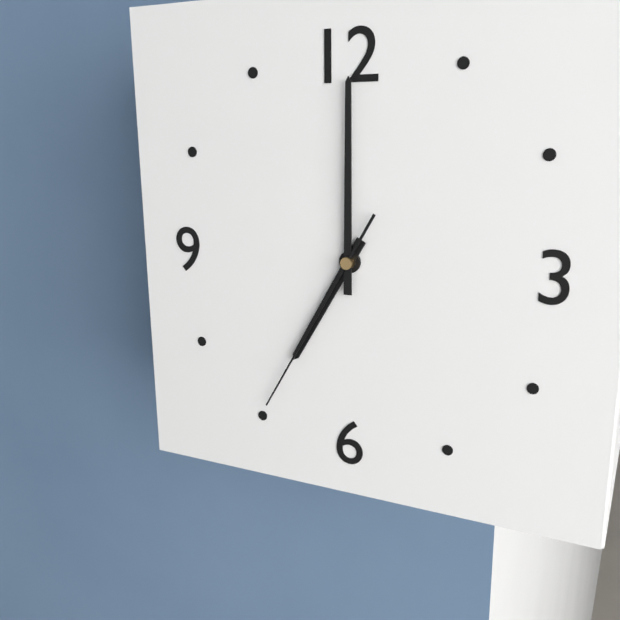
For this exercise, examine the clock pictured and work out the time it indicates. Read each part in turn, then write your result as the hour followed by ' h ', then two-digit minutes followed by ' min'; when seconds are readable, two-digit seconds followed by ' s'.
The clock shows 7 h 00 min 35 s
